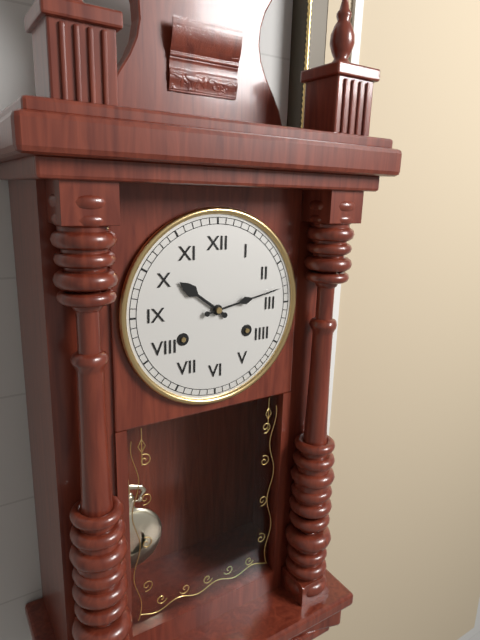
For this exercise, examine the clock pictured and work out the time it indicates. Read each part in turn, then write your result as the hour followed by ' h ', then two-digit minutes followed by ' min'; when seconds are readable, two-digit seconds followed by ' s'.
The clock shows 10 h 13 min
